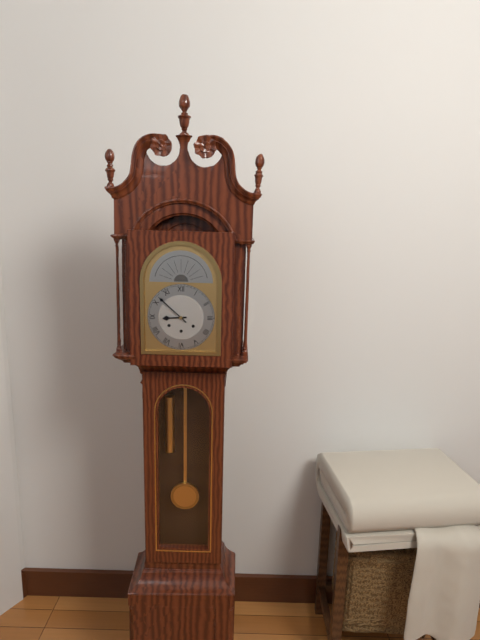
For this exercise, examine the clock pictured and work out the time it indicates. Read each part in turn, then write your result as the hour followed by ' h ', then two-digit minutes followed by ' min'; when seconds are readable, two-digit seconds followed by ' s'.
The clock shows 8 h 52 min
